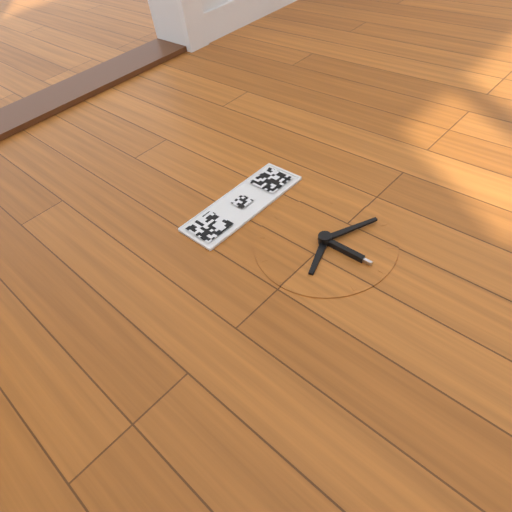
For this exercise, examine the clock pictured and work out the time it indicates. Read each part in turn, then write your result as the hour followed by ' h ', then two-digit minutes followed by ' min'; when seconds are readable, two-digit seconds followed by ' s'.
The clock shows 8 h 19 min
